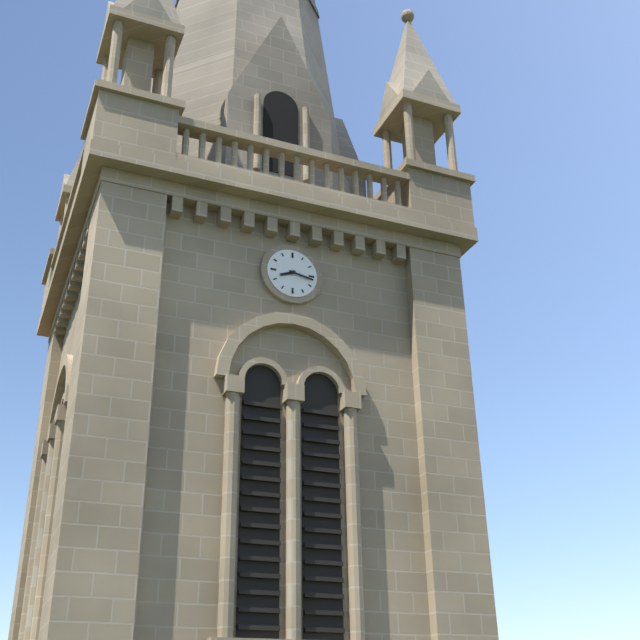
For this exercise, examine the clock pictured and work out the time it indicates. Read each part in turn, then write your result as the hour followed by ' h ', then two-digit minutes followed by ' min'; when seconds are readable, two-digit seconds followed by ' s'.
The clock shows 8 h 17 min
